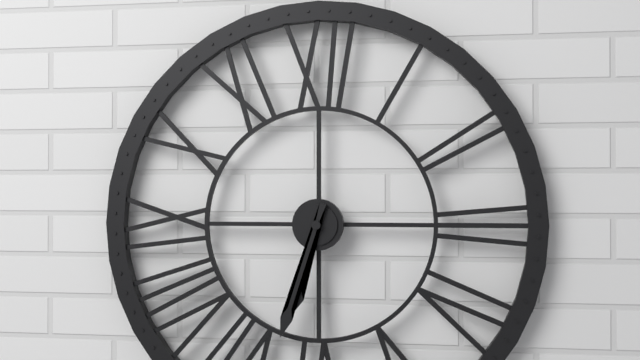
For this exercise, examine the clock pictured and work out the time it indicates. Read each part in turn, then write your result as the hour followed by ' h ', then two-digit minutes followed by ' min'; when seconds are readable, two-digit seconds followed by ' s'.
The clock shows 6 h 33 min
